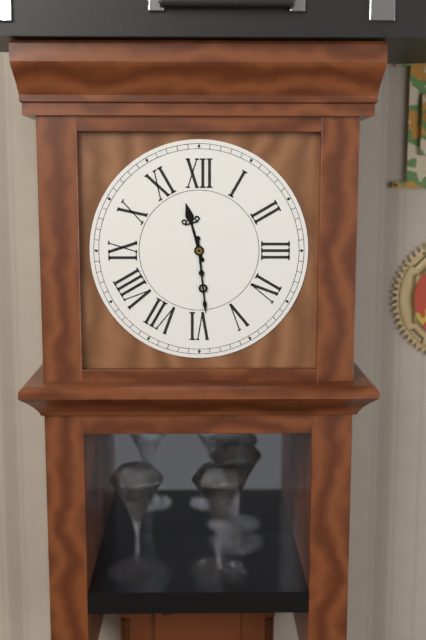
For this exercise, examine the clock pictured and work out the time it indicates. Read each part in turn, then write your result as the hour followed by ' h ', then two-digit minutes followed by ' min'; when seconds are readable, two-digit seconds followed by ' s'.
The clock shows 11 h 29 min
